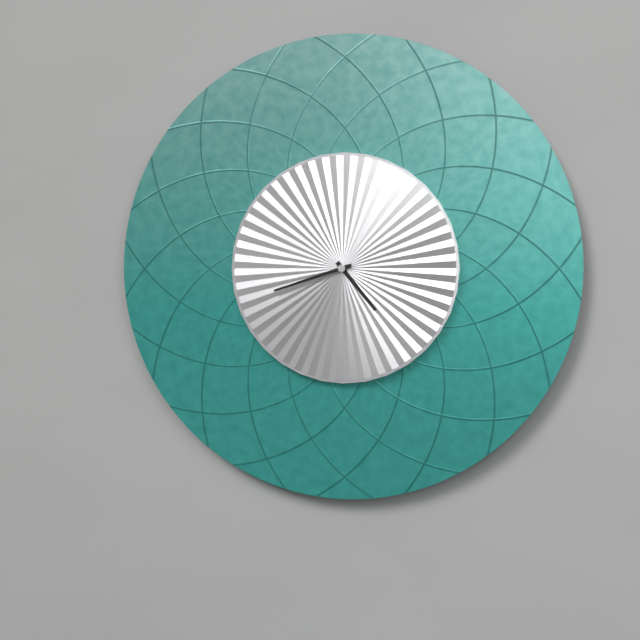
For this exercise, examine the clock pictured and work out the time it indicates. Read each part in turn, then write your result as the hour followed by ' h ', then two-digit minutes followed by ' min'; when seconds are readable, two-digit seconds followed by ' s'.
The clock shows 4 h 42 min
